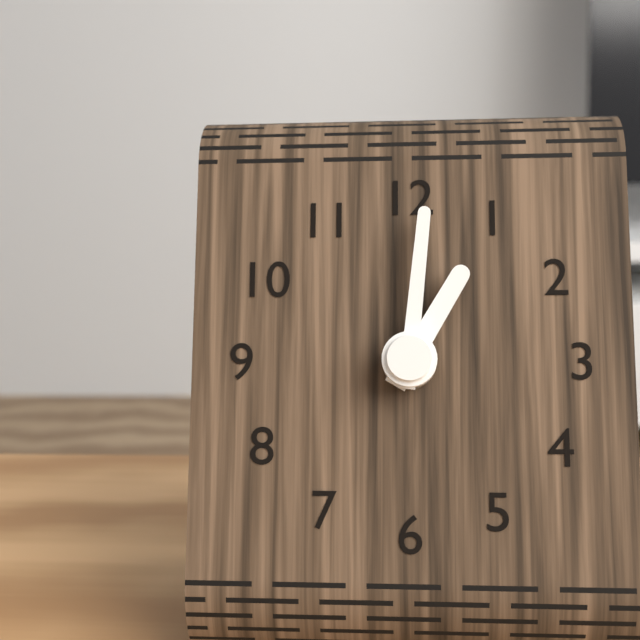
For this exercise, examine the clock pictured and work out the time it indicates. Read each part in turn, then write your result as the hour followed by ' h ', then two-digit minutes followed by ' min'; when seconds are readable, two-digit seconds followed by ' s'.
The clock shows 1 h 01 min
